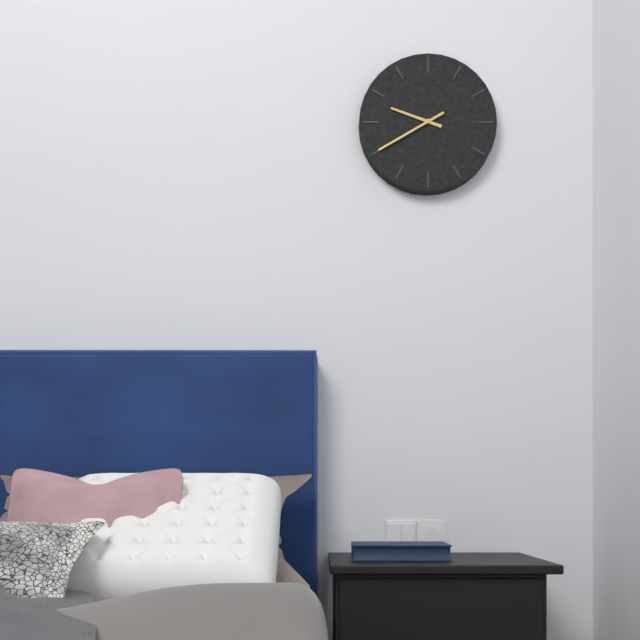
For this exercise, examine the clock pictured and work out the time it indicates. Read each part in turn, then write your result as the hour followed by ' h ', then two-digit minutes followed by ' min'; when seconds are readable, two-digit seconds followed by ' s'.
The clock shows 9 h 40 min
